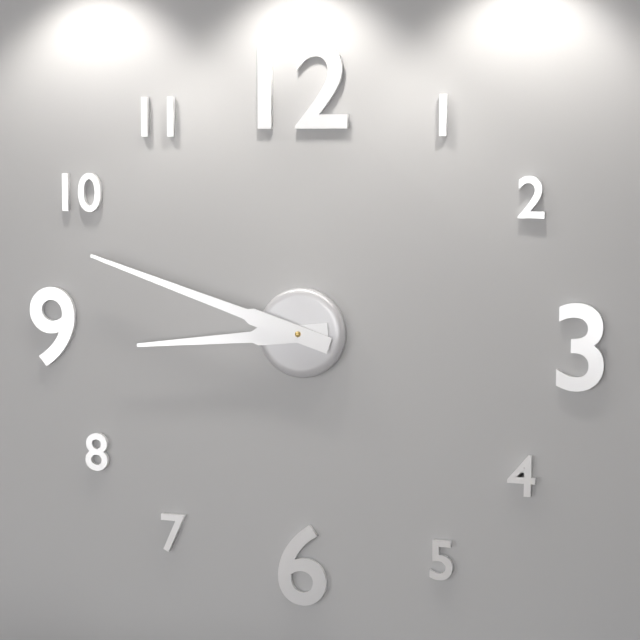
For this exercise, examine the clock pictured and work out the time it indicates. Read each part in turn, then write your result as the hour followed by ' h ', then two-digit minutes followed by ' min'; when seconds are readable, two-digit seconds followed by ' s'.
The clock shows 8 h 48 min
